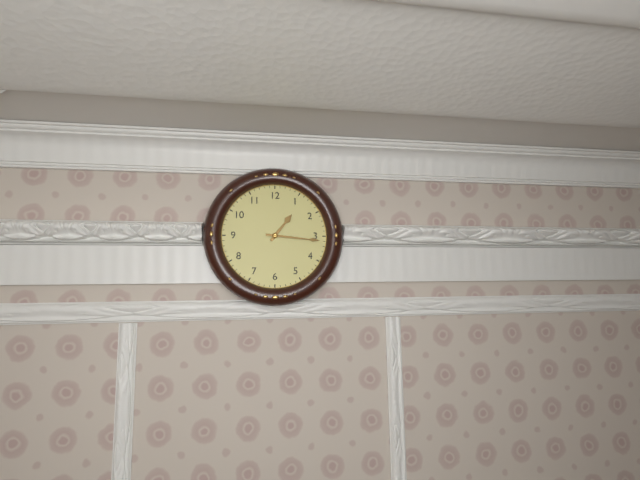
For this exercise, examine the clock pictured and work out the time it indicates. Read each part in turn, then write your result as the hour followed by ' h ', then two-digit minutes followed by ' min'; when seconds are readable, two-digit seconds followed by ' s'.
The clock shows 1 h 16 min
